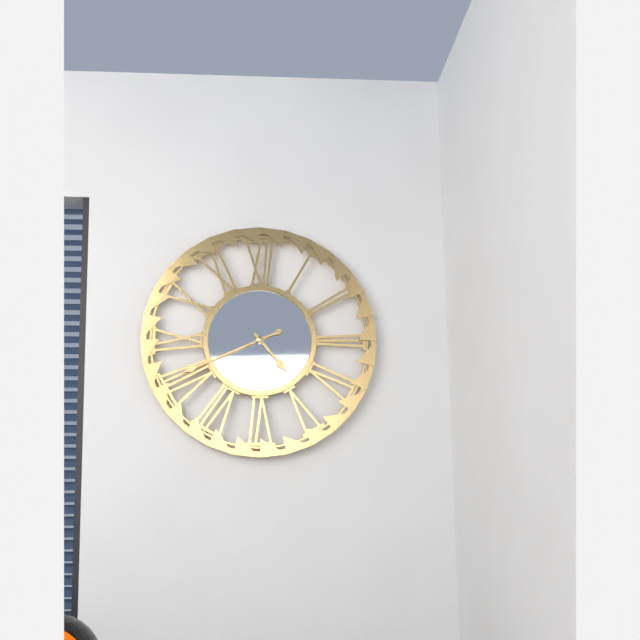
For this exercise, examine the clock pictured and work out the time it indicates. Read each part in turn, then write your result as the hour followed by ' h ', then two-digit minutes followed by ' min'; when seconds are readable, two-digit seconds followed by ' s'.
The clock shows 4 h 41 min
